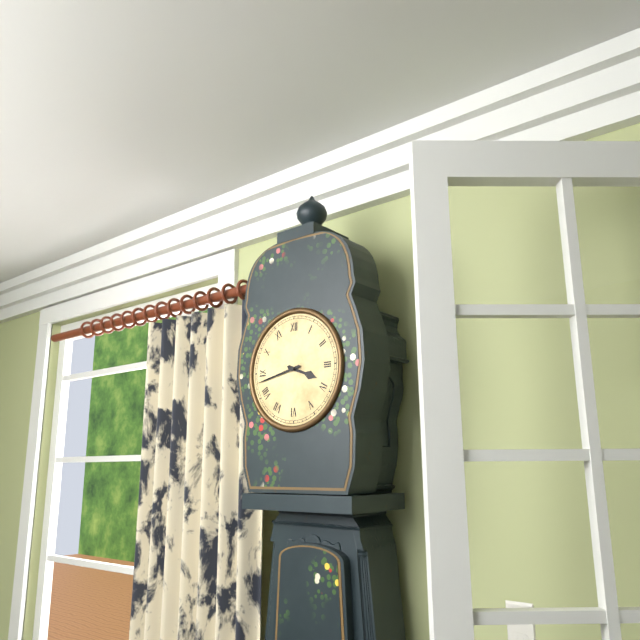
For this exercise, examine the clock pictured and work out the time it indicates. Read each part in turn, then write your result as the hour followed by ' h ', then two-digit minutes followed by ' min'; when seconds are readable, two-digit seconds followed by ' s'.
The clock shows 3 h 43 min
